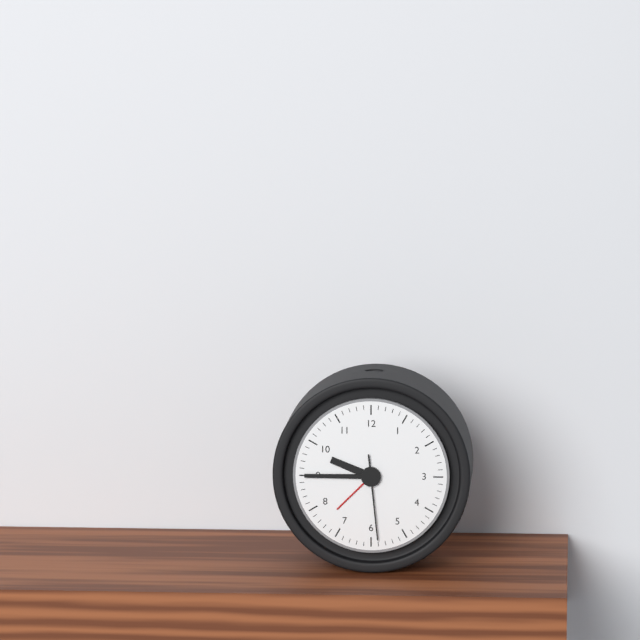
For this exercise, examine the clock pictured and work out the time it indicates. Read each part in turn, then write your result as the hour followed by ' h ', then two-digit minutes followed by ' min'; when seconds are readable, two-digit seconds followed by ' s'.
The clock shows 9 h 45 min 29 s
